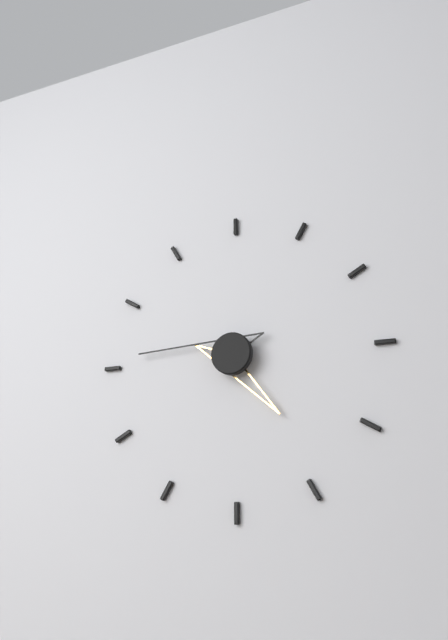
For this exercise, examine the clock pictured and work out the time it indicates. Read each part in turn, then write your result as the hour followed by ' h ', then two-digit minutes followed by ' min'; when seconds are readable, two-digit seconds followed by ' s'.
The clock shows 4 h 46 min
